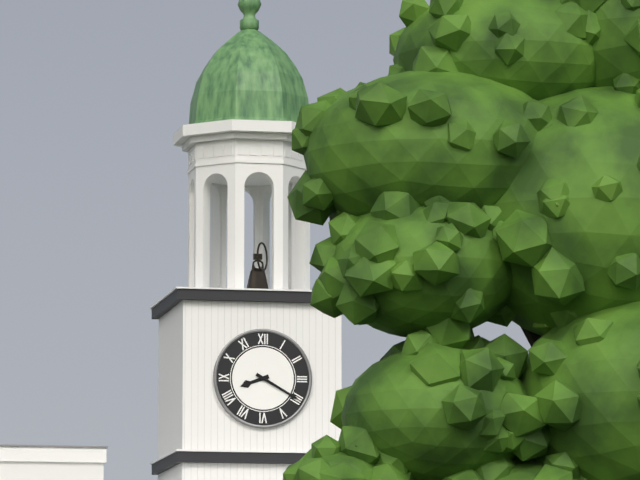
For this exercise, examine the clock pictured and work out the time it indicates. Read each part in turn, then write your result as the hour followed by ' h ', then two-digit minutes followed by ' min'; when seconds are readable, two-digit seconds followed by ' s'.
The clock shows 8 h 20 min
